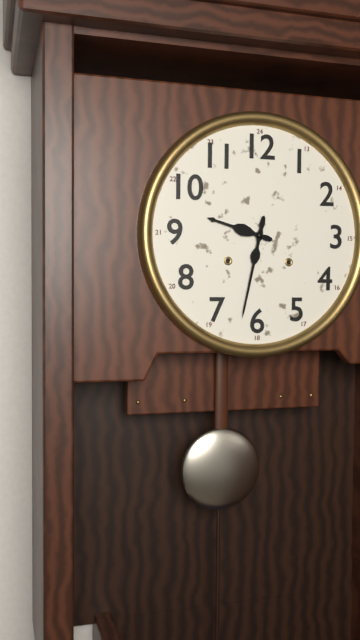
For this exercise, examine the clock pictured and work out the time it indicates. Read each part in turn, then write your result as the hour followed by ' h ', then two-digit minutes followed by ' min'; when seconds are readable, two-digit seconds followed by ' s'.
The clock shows 9 h 32 min
